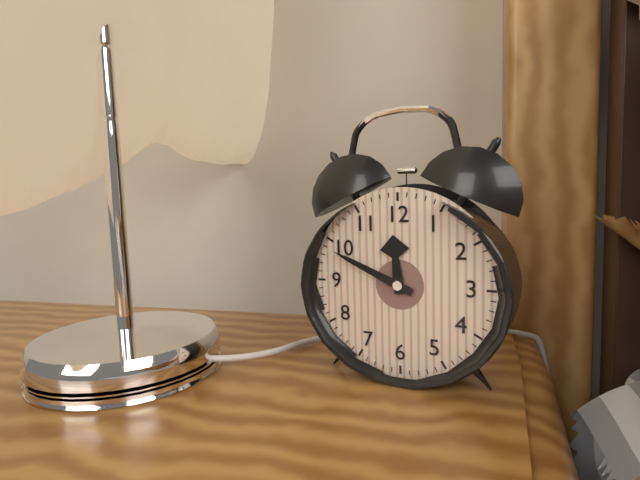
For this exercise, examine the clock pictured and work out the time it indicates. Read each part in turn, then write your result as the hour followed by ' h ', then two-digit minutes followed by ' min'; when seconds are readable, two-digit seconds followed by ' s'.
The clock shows 11 h 49 min
